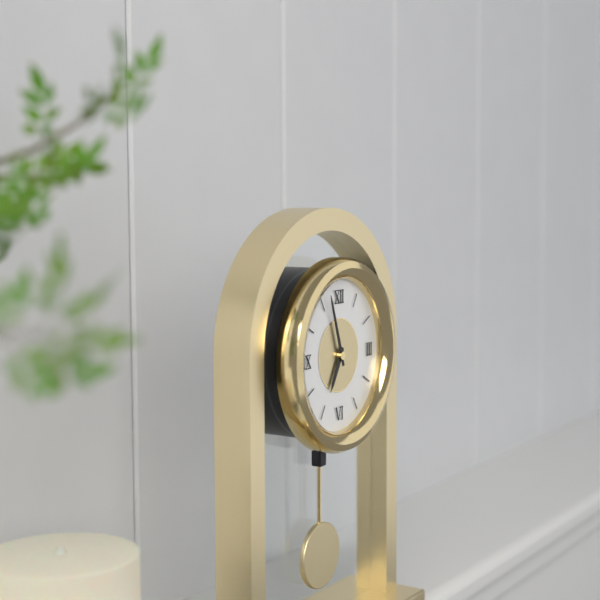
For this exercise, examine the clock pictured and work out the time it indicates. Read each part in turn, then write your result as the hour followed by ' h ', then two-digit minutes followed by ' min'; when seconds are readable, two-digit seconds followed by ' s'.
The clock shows 6 h 57 min
